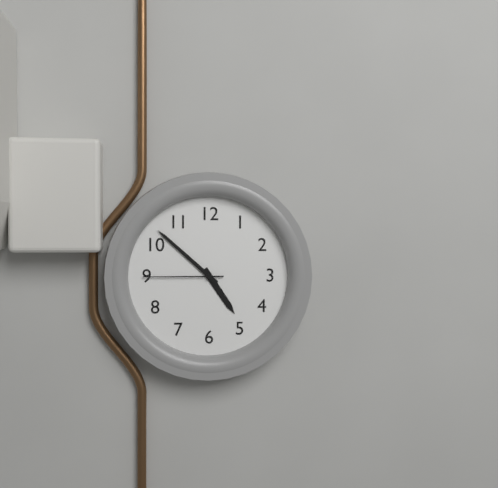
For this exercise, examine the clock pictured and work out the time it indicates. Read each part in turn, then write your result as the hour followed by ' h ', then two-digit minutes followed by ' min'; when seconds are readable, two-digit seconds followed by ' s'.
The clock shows 4 h 52 min 45 s
